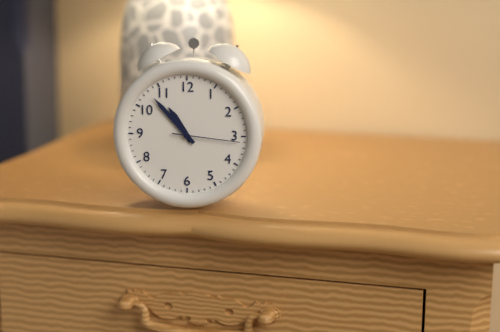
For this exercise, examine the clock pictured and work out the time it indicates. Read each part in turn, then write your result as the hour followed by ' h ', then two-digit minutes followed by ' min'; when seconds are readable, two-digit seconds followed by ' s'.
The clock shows 10 h 53 min 16 s
